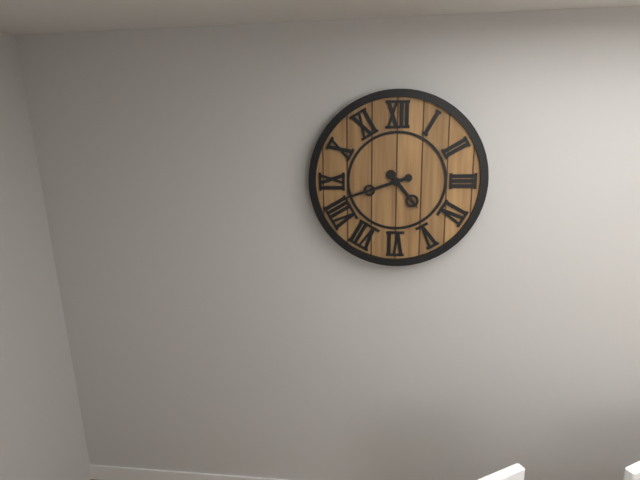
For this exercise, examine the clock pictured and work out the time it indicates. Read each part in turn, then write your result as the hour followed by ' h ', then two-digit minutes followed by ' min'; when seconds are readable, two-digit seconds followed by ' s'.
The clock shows 4 h 42 min
